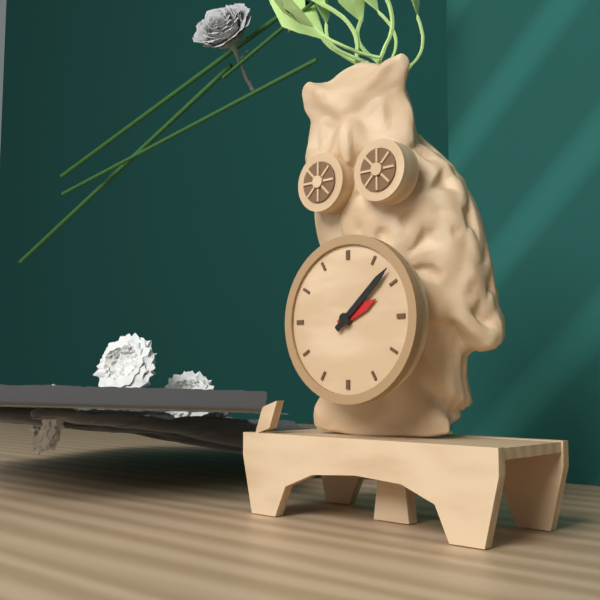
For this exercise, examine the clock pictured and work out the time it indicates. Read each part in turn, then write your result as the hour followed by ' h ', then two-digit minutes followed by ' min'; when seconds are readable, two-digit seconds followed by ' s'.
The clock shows 2 h 08 min
